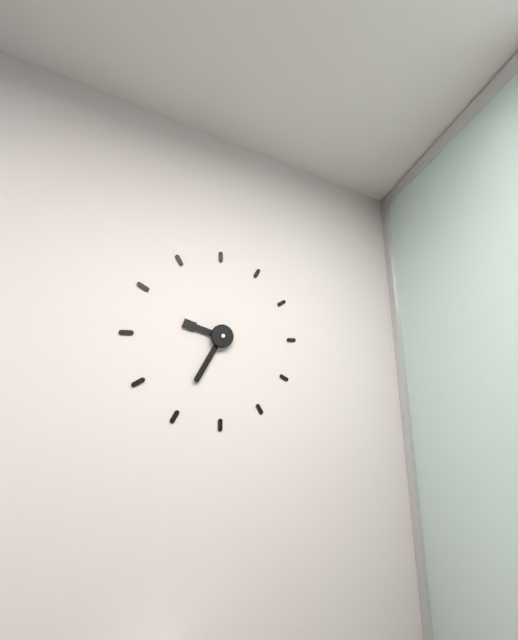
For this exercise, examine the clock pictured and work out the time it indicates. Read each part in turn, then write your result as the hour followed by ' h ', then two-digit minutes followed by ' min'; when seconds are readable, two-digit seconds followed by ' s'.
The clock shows 9 h 35 min
